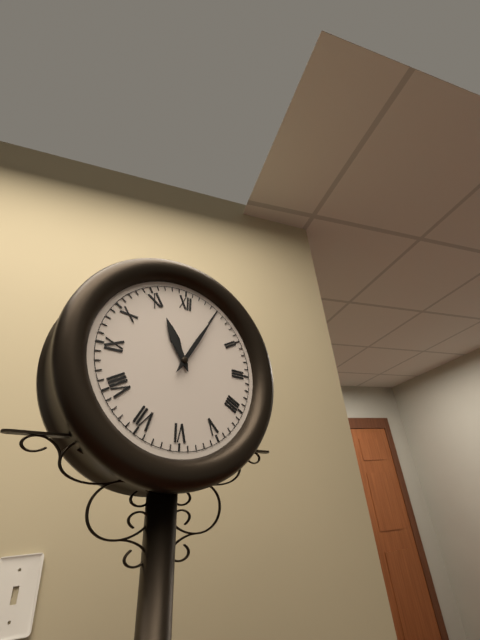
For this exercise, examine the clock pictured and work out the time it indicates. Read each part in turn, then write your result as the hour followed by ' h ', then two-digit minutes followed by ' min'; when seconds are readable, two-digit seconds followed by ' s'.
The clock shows 11 h 05 min
